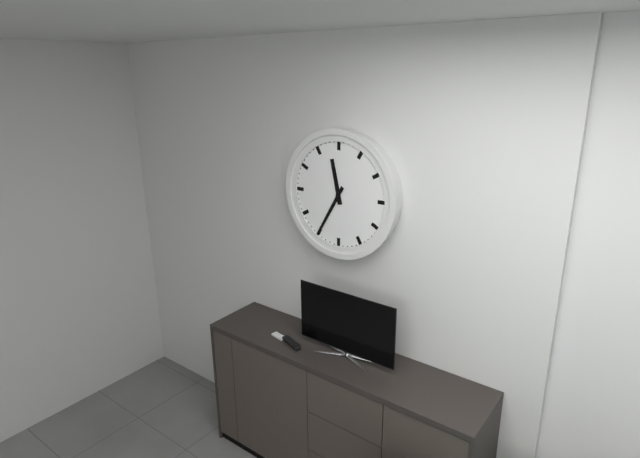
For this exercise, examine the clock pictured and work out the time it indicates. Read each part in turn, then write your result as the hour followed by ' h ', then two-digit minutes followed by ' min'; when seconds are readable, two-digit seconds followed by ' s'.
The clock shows 11 h 35 min
